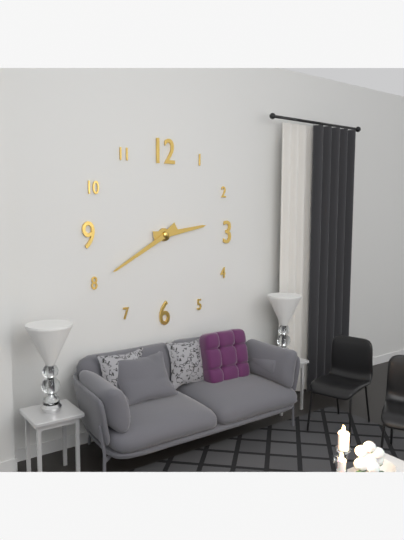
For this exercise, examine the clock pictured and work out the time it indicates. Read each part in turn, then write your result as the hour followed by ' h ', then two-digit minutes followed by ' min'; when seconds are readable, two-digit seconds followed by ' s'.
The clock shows 2 h 40 min
